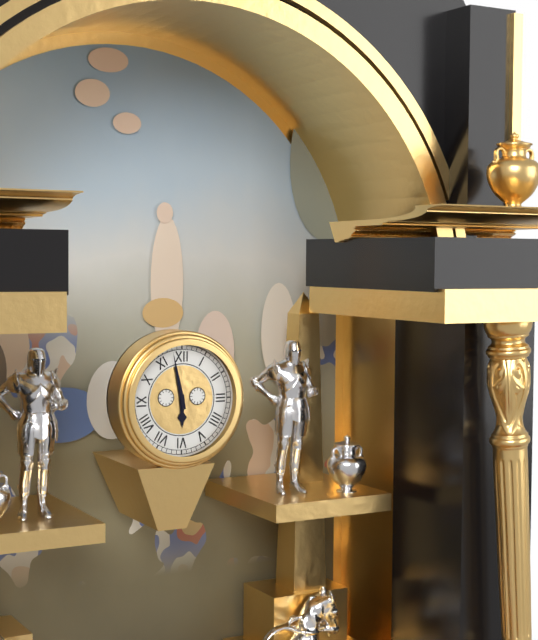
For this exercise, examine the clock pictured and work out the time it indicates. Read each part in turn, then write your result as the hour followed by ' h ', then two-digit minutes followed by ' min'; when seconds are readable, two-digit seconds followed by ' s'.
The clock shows 5 h 58 min
